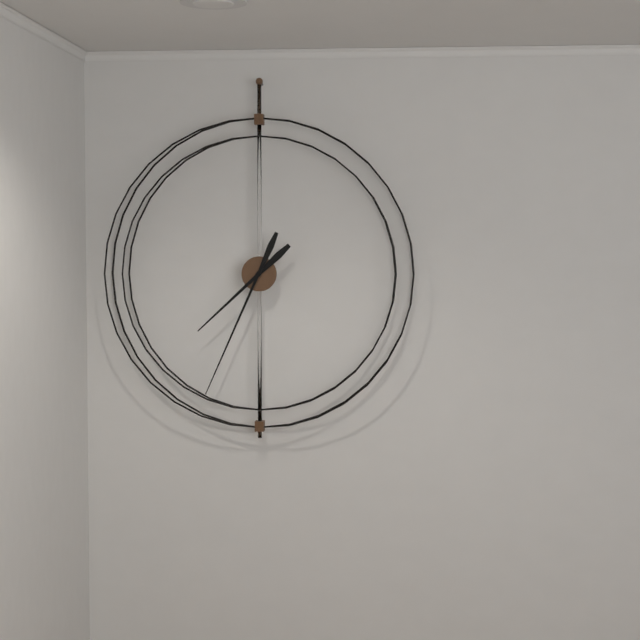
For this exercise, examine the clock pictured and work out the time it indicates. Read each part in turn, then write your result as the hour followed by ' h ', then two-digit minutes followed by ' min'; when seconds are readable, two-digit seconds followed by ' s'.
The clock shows 7 h 34 min
